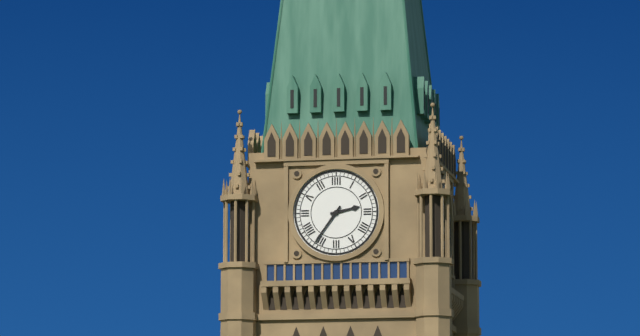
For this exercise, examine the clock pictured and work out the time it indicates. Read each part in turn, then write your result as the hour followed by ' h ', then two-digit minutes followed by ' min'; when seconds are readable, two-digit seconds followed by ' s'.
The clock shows 2 h 36 min
